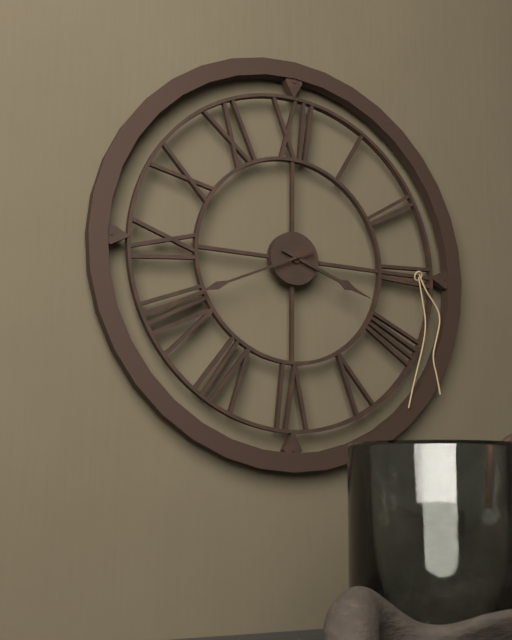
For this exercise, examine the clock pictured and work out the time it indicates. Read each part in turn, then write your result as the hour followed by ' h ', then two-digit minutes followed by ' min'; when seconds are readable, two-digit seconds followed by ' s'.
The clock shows 3 h 41 min
